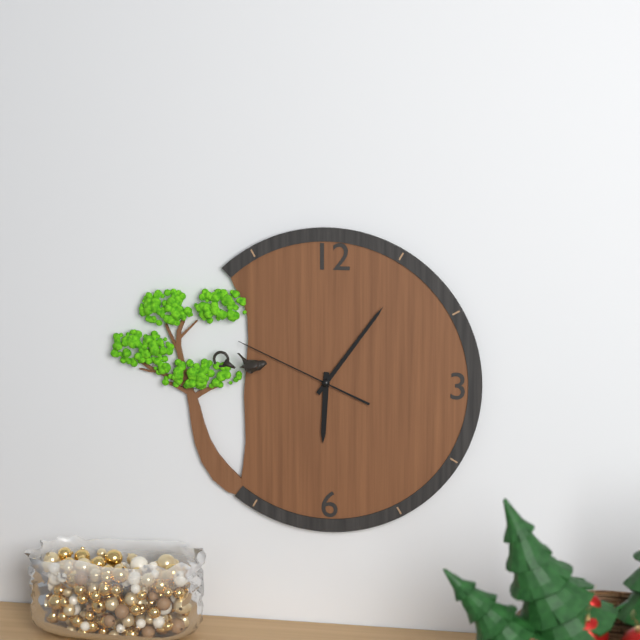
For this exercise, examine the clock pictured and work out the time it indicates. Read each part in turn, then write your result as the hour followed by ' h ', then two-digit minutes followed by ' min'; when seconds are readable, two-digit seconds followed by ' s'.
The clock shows 6 h 06 min 49 s
